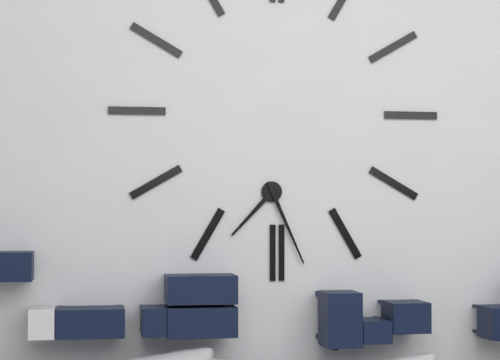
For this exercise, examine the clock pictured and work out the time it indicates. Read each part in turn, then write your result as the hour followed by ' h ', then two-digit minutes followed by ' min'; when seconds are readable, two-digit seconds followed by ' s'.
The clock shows 7 h 26 min
